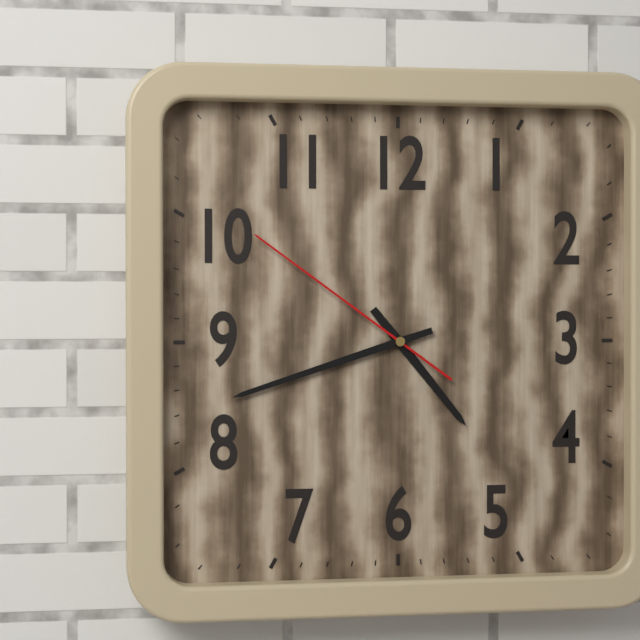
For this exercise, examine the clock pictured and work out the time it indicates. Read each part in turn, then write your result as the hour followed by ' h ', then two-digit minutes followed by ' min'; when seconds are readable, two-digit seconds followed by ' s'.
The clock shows 4 h 42 min 51 s
